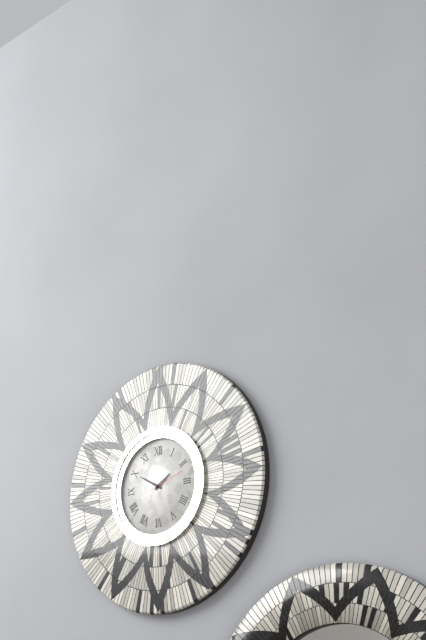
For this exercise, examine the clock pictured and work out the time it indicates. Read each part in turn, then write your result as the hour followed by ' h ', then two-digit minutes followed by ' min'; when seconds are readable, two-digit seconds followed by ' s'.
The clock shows 1 h 50 min
